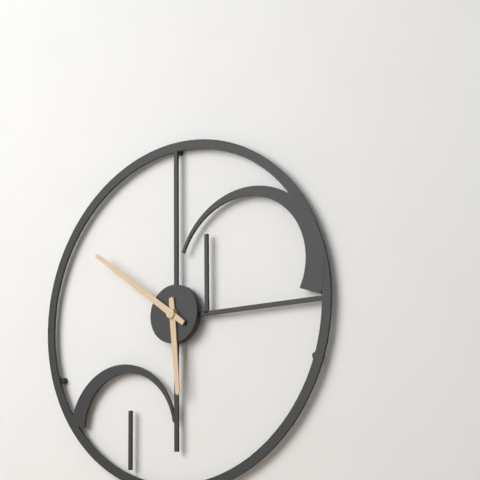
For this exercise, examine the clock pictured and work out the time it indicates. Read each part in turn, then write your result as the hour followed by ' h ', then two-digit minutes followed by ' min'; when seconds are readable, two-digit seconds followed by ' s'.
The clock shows 5 h 51 min
